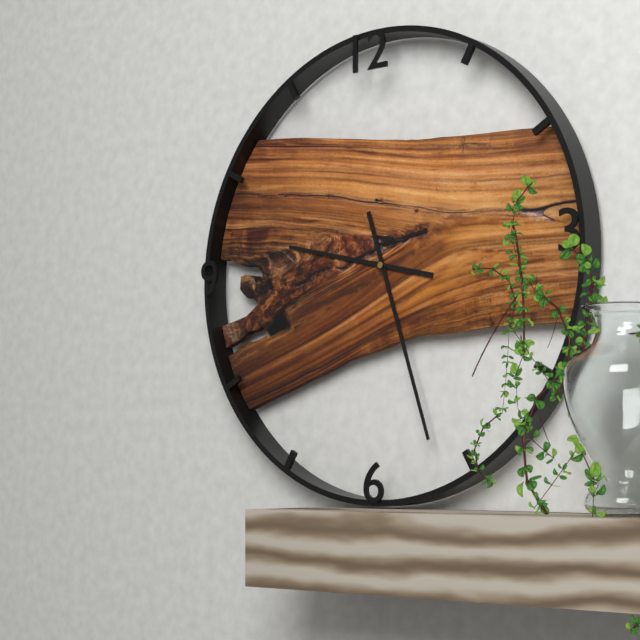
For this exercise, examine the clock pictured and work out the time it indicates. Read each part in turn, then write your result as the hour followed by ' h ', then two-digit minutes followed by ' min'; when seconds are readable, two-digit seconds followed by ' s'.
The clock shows 9 h 27 min
